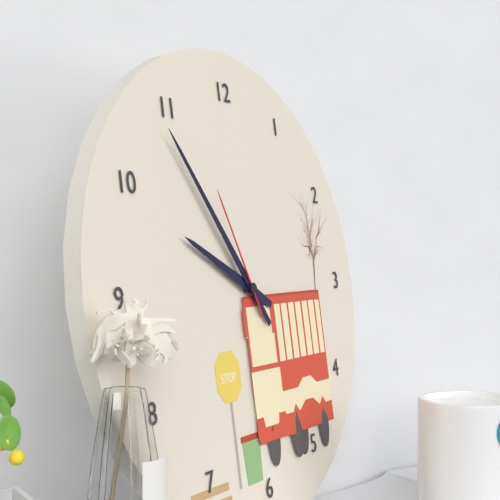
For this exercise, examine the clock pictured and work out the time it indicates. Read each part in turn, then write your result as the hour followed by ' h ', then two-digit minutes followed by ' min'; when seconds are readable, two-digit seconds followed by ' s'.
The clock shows 9 h 54 min 56 s
